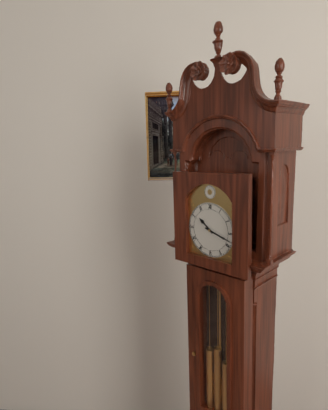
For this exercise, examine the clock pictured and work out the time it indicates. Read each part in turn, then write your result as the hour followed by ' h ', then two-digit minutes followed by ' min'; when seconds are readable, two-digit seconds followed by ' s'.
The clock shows 10 h 18 min
